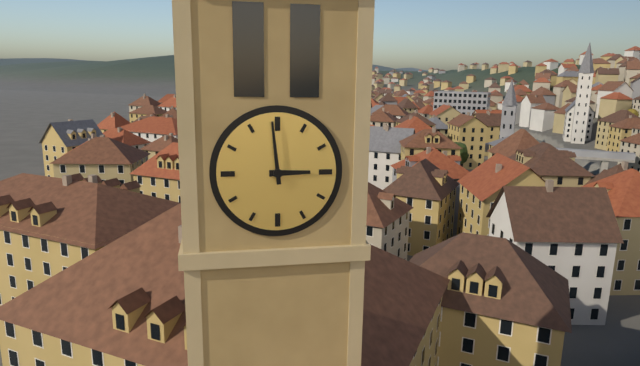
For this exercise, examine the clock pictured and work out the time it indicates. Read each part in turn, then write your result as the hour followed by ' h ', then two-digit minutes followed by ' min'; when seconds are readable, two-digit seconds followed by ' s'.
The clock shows 2 h 59 min
